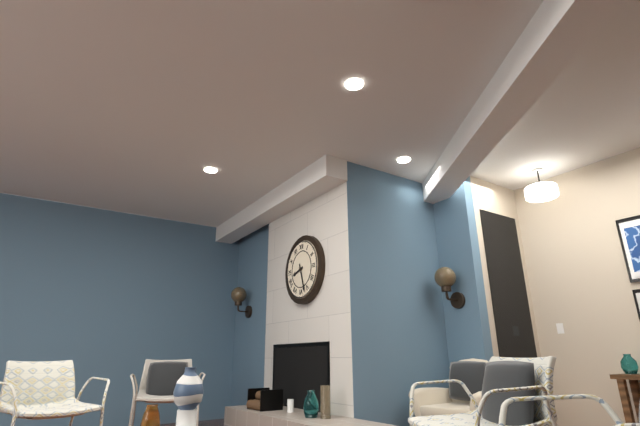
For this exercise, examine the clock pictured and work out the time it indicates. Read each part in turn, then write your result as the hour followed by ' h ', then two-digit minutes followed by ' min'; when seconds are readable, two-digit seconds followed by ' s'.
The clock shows 8 h 27 min
